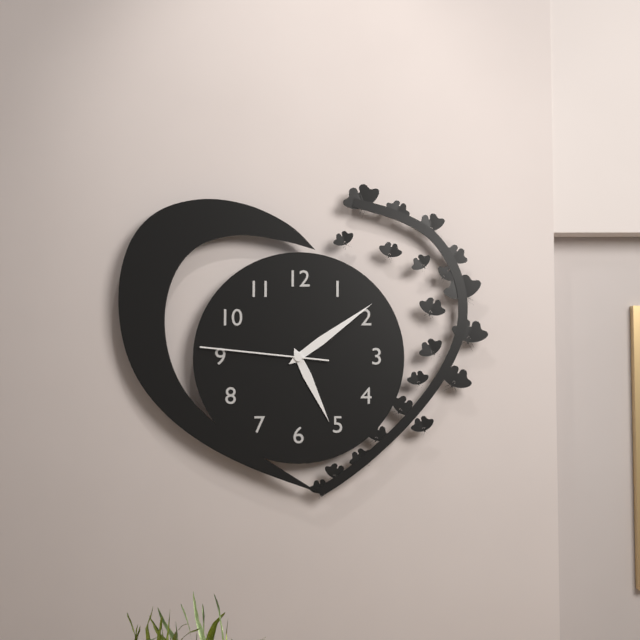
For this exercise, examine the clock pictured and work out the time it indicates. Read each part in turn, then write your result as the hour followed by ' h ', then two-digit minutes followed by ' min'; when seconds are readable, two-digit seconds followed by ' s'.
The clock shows 5 h 09 min 46 s
